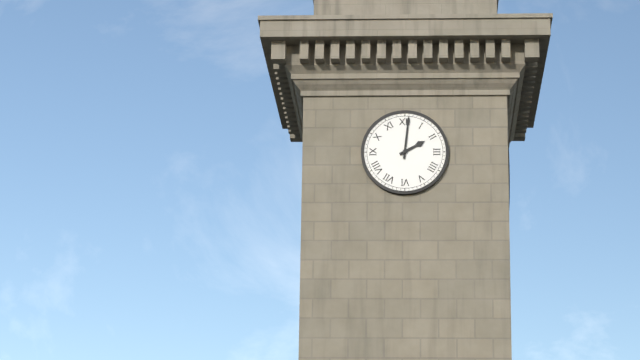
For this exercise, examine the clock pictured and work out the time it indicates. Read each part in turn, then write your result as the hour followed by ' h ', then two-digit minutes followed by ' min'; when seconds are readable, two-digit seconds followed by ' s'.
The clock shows 2 h 01 min
